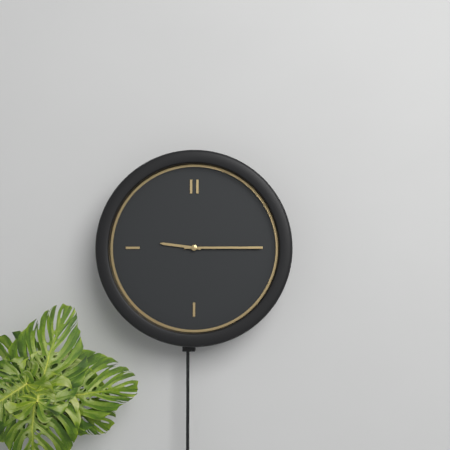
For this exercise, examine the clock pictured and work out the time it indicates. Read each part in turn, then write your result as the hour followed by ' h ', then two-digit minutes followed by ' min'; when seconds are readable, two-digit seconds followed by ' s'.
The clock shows 9 h 15 min
